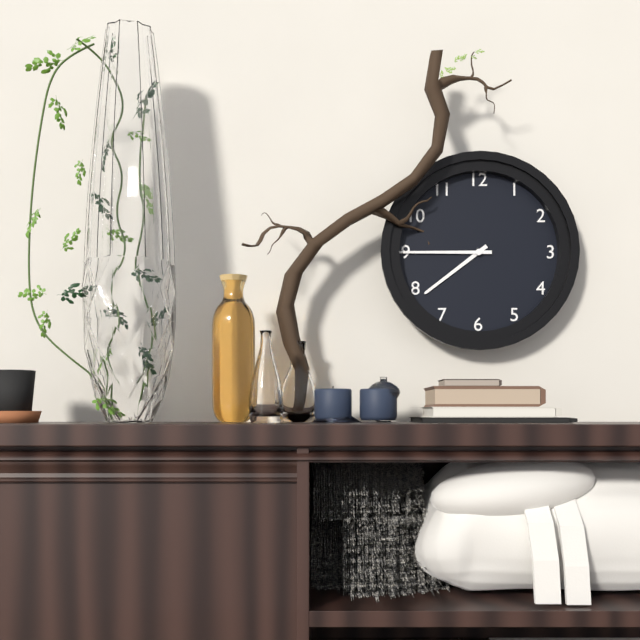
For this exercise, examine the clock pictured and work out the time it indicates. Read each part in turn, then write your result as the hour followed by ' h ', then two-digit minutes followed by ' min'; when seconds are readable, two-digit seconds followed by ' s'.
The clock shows 7 h 45 min
